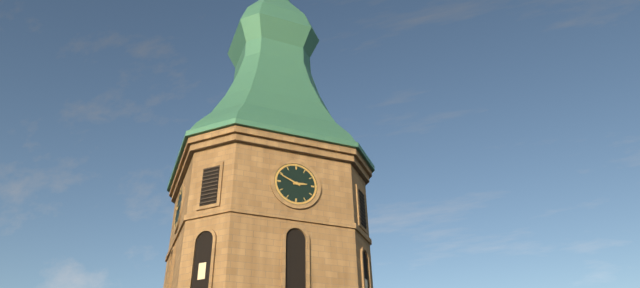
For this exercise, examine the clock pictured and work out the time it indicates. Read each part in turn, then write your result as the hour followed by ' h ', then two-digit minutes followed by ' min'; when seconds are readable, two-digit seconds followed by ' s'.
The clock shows 2 h 49 min
